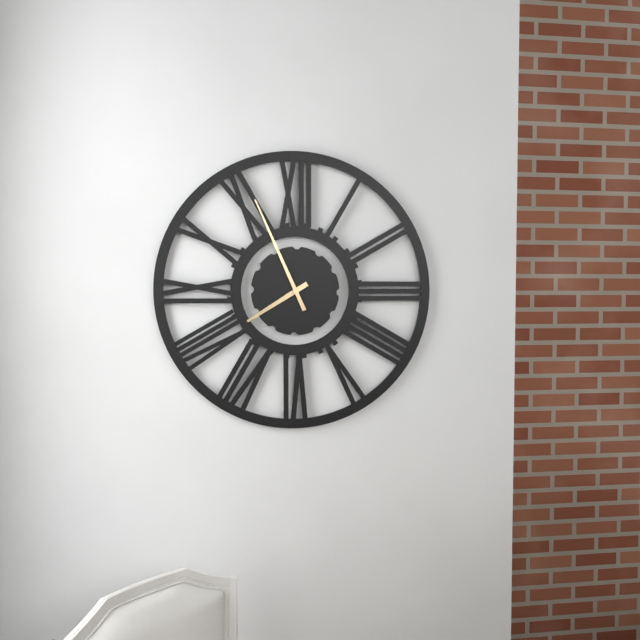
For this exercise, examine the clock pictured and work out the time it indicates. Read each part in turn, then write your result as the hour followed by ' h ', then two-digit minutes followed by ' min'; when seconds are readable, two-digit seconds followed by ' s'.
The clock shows 7 h 56 min
